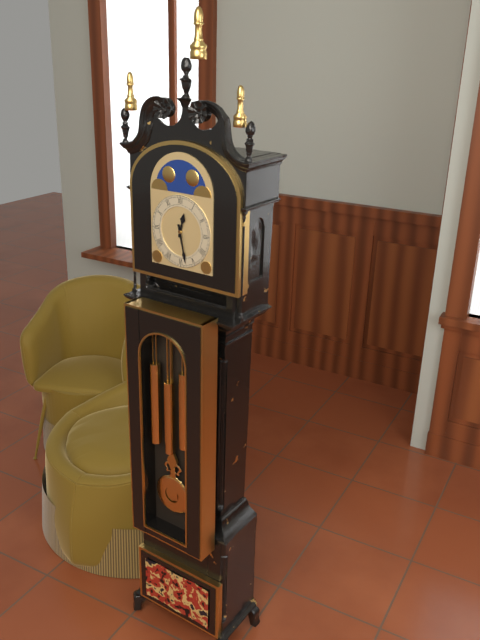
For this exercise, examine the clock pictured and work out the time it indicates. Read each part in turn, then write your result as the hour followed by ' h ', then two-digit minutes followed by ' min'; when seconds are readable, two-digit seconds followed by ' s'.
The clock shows 12 h 28 min
